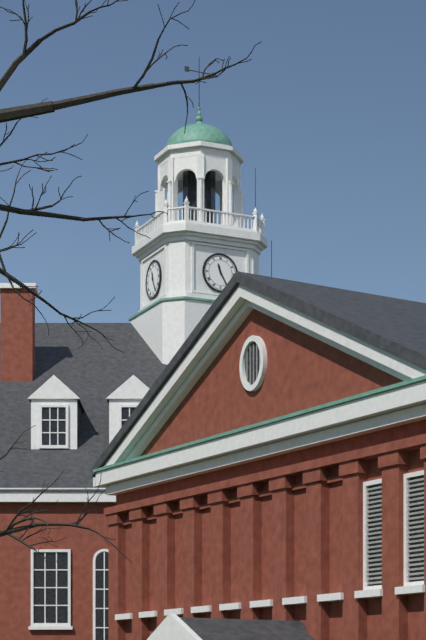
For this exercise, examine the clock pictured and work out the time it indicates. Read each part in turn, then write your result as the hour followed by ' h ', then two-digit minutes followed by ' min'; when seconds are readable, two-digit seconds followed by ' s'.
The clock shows 11 h 25 min
